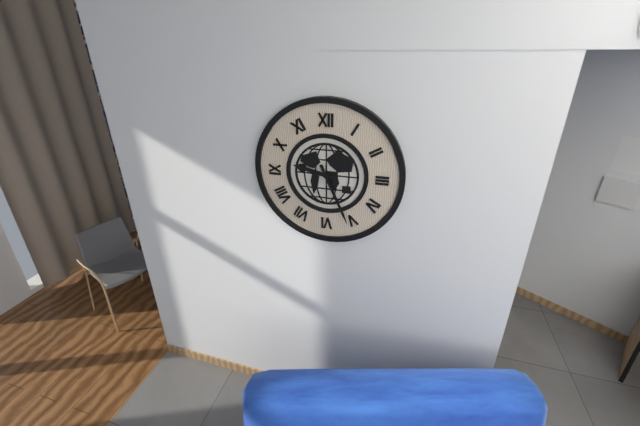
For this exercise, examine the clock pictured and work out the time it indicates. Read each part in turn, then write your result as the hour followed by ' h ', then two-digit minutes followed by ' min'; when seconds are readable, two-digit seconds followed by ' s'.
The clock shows 9 h 26 min
